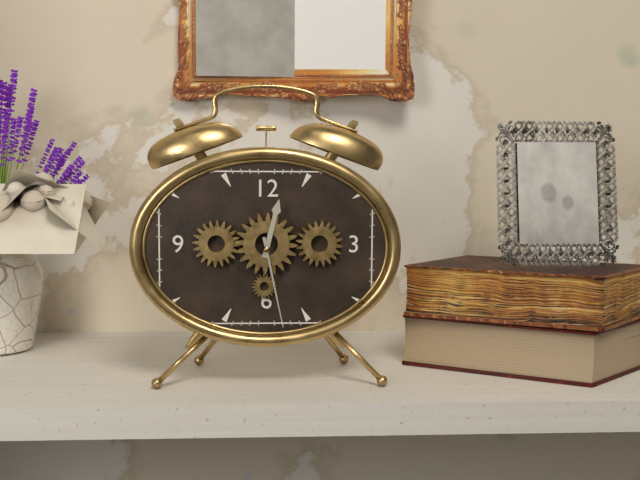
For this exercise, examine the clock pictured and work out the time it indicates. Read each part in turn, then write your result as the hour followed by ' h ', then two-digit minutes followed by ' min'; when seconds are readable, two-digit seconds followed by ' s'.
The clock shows 12 h 28 min
